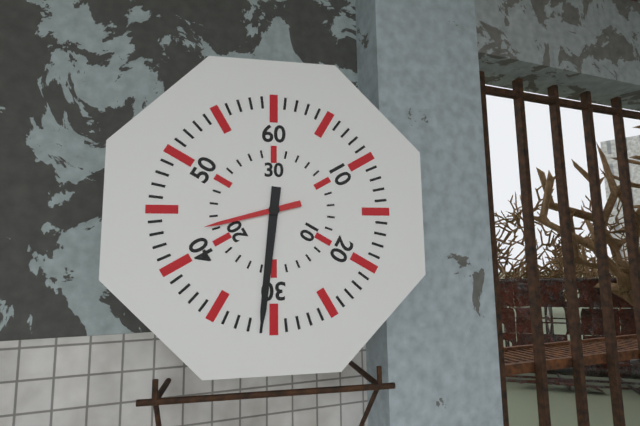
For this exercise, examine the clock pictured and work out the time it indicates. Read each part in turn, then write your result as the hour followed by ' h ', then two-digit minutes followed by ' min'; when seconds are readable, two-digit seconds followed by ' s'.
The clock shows 8 h 31 min
